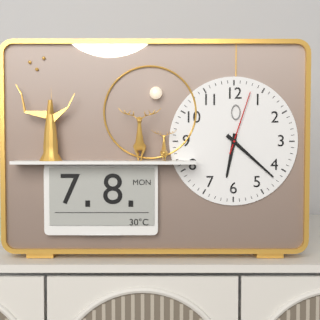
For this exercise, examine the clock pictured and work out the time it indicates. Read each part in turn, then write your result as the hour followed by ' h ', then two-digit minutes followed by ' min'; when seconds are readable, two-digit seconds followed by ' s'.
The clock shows 6 h 22 min 03 s
